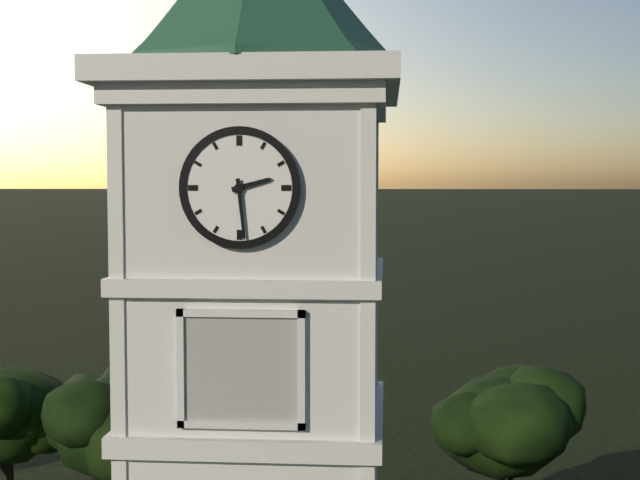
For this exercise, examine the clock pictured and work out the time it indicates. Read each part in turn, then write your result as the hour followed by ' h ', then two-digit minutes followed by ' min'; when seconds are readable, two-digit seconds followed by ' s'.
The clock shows 2 h 29 min
